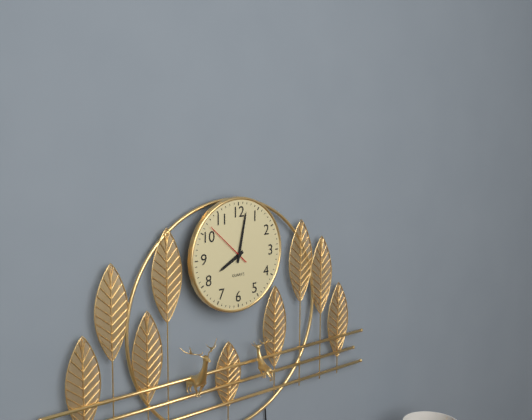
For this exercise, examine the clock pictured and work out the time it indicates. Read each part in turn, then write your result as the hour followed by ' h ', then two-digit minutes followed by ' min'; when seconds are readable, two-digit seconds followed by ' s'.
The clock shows 8 h 02 min
